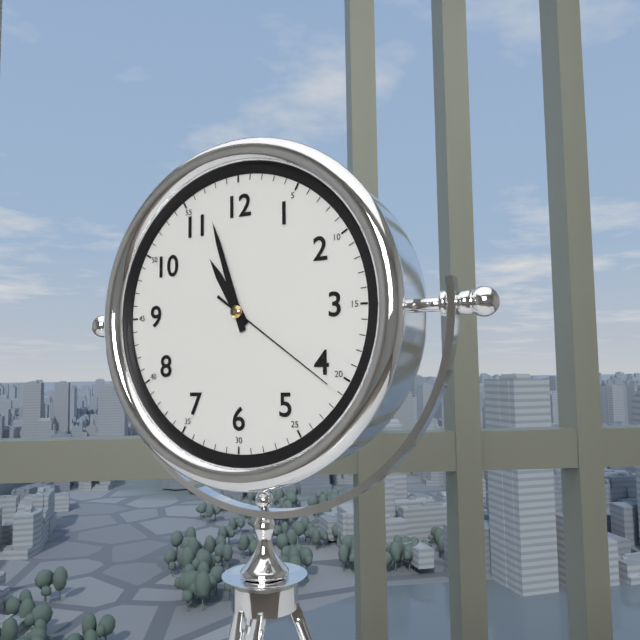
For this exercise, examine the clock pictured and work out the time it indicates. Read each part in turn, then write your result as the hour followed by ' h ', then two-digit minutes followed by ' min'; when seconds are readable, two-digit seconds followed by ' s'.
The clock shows 10 h 57 min 21 s
